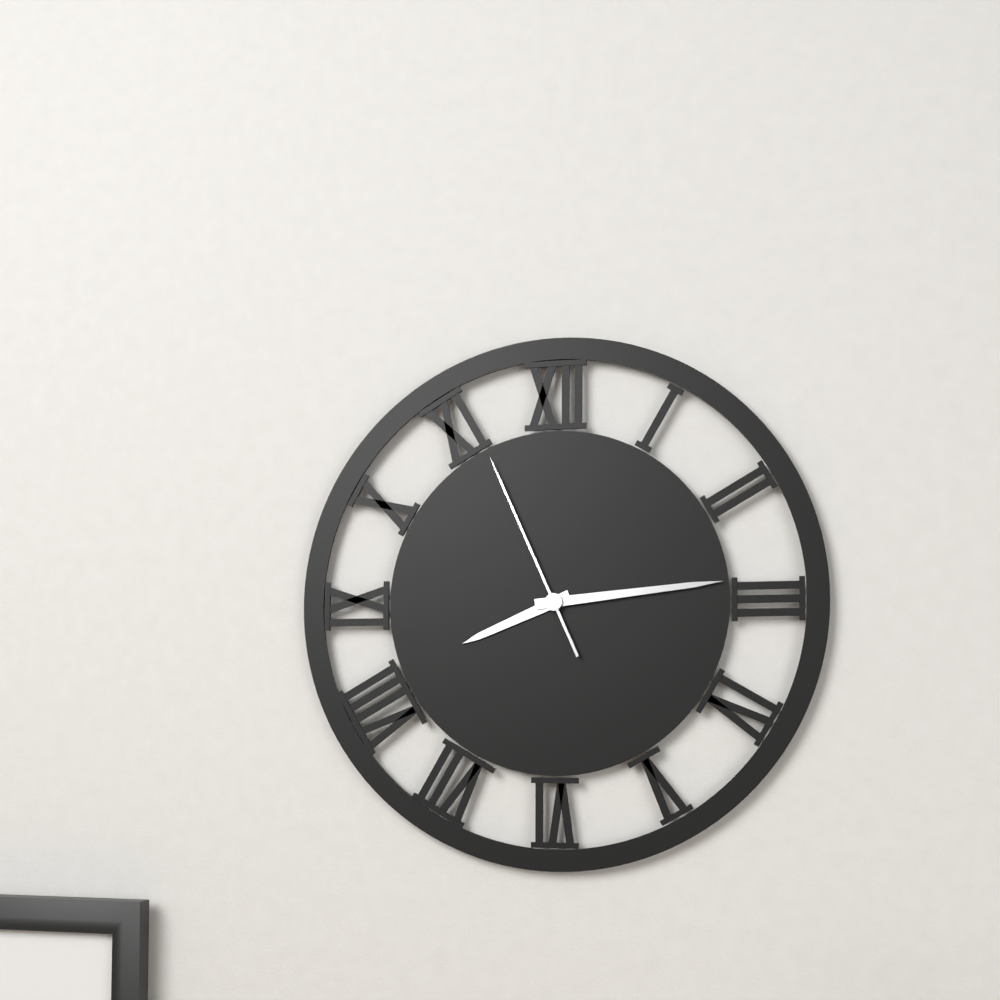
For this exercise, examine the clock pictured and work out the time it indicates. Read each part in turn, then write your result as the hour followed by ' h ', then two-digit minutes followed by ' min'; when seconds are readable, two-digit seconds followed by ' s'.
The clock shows 8 h 14 min 56 s
